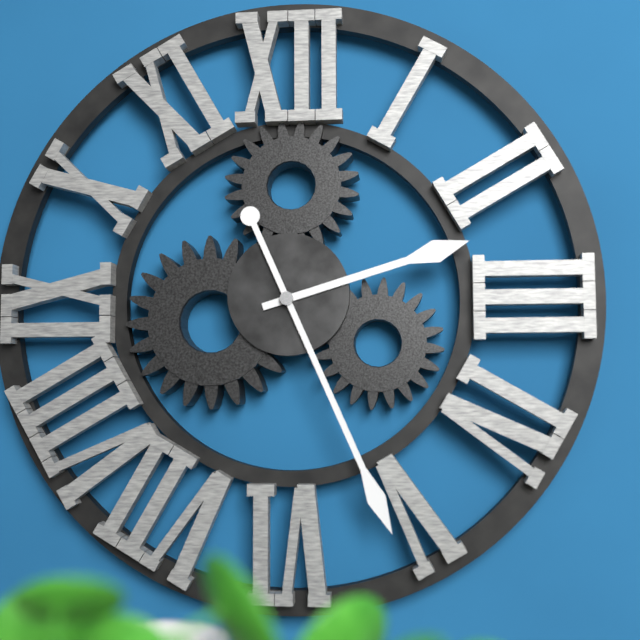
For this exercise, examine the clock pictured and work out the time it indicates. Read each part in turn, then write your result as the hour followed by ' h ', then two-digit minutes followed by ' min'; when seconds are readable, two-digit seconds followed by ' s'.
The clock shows 2 h 26 min
